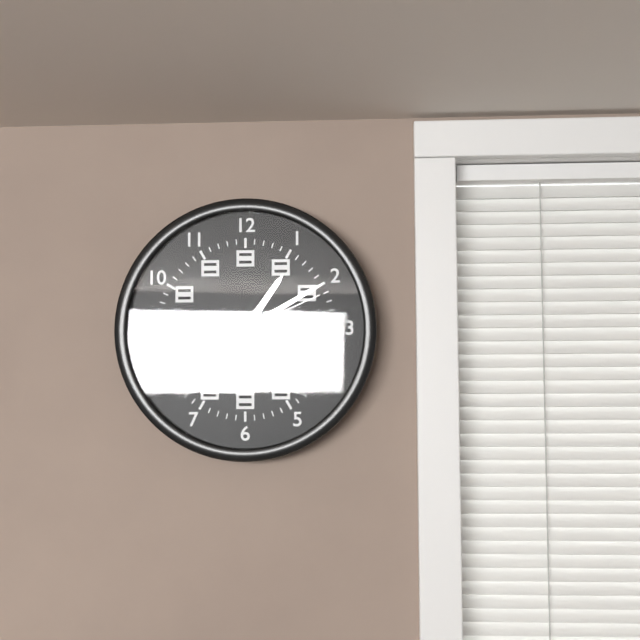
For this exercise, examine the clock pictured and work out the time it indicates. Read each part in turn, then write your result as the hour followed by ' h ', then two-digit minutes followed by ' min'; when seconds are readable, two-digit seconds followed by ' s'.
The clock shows 1 h 10 min 11 s
